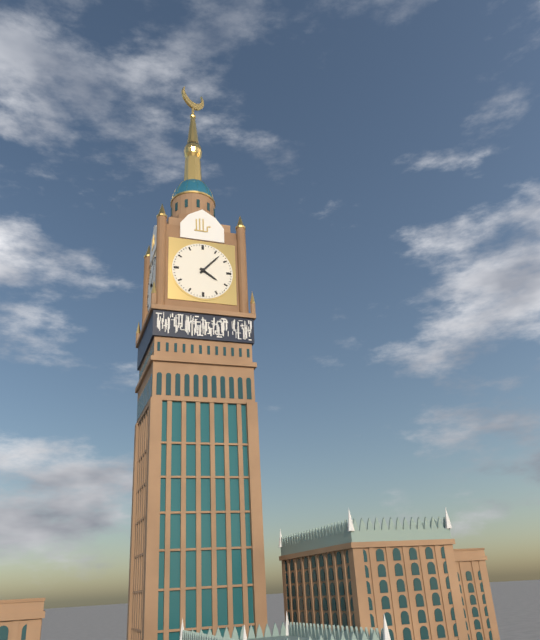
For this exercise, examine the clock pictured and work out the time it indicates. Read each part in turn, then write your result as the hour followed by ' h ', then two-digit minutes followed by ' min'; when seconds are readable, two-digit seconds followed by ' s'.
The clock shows 4 h 07 min
